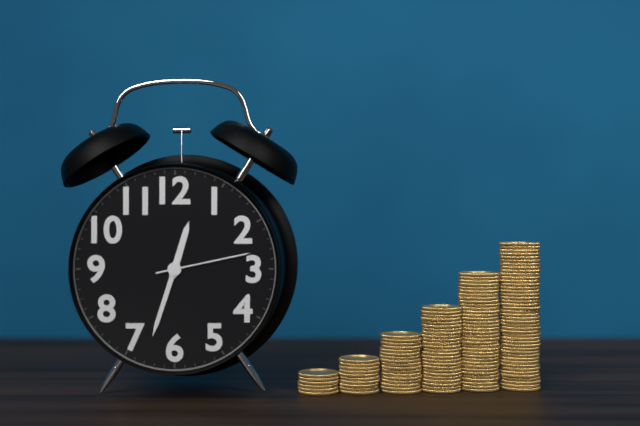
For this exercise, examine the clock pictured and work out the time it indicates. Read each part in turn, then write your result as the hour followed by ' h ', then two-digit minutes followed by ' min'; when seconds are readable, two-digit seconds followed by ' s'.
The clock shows 12 h 33 min 13 s
